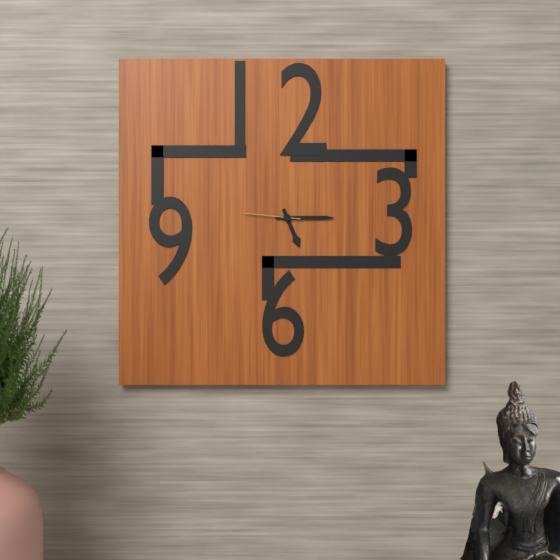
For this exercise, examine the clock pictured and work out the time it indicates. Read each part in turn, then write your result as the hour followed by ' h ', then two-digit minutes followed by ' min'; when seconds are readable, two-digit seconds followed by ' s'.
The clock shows 5 h 15 min 46 s
